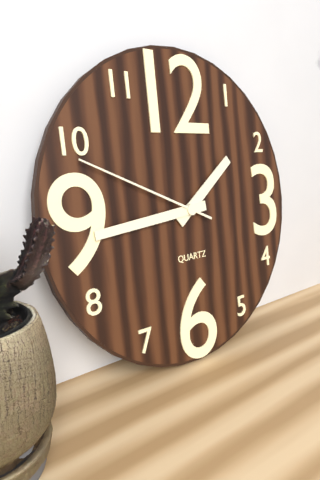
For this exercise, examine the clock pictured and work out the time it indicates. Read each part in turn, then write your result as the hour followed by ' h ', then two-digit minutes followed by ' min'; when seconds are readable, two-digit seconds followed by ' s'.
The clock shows 1 h 44 min 49 s
